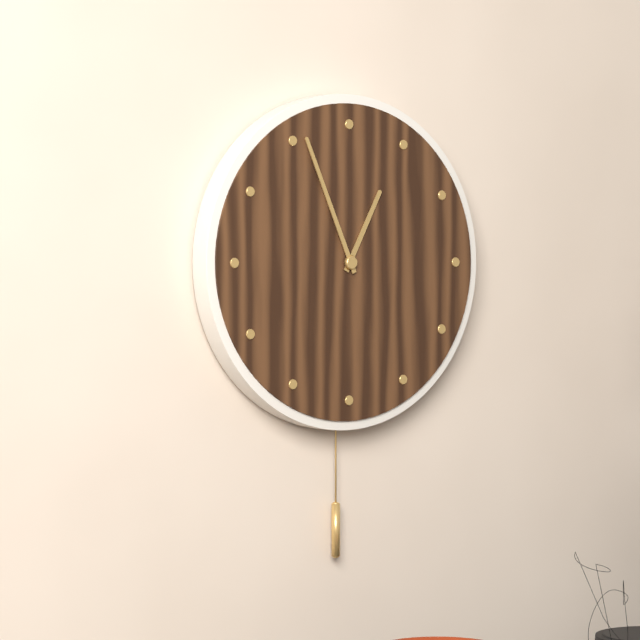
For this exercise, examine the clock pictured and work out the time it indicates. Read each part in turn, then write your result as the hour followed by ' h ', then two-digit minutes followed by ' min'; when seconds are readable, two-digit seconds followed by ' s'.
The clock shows 12 h 56 min
